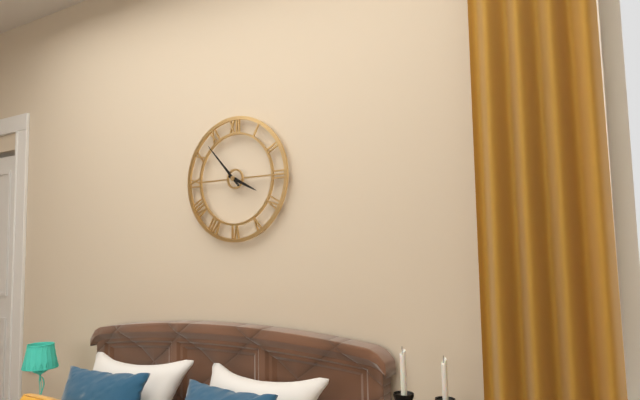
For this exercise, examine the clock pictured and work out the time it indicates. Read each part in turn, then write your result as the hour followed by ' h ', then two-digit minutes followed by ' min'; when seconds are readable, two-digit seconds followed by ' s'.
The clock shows 3 h 53 min
